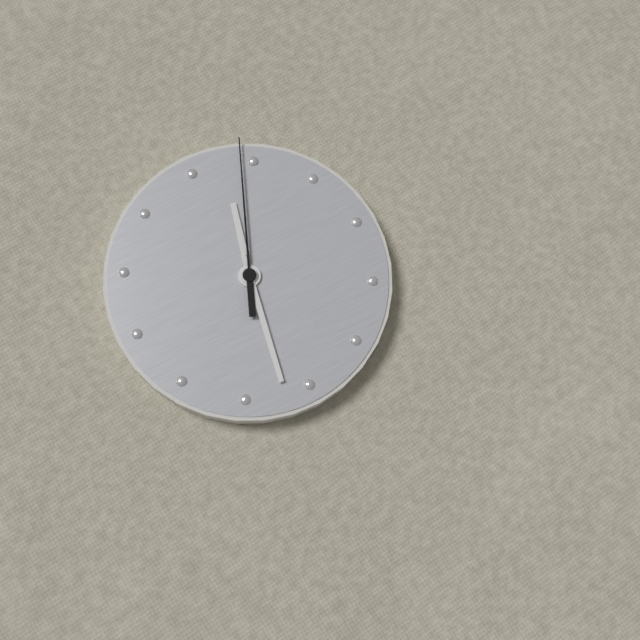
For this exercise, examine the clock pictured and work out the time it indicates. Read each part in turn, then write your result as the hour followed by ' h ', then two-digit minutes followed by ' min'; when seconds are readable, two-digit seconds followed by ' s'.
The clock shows 12 h 32 min 04 s
